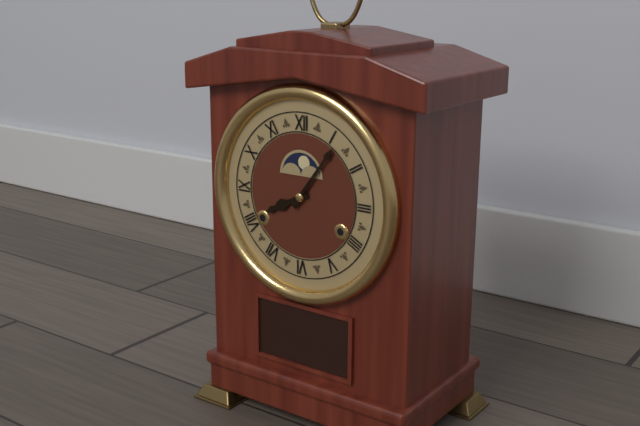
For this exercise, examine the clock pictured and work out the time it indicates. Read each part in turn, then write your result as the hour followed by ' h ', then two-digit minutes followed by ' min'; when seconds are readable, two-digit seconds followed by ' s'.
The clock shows 8 h 06 min
